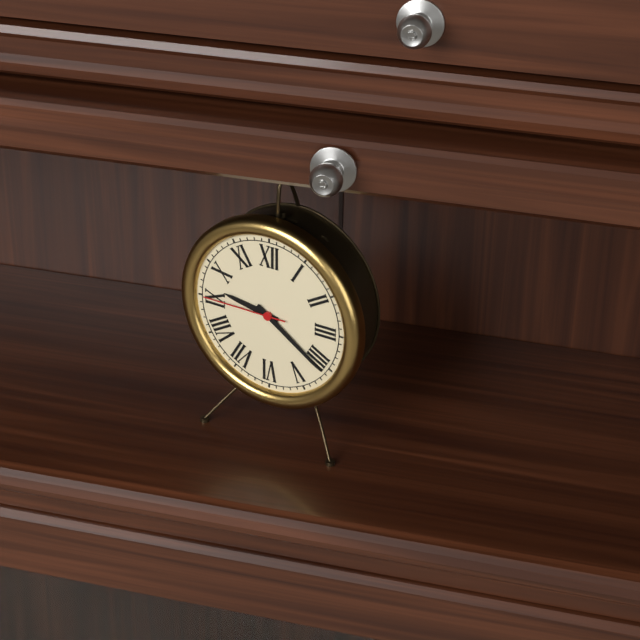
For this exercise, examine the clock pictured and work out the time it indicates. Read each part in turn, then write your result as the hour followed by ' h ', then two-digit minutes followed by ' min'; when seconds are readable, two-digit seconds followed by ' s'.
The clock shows 9 h 21 min 45 s
